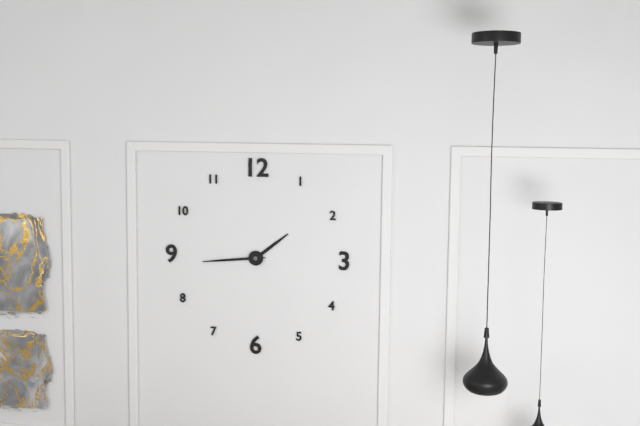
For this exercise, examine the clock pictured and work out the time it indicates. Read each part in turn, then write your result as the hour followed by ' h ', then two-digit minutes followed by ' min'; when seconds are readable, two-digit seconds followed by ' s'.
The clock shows 1 h 44 min
